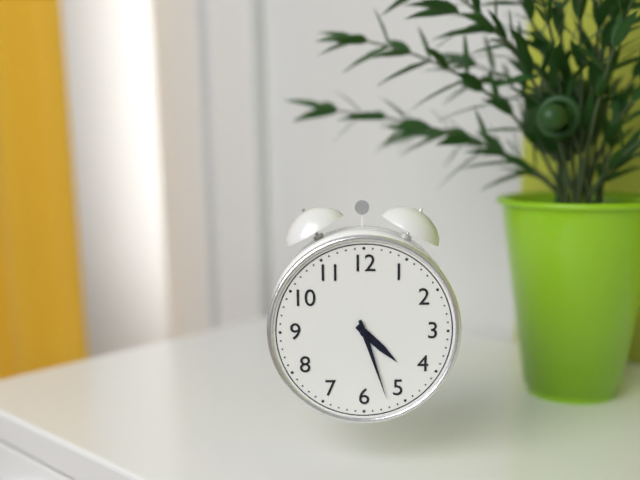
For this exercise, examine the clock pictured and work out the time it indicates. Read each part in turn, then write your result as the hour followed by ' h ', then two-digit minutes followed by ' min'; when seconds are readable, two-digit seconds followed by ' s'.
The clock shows 4 h 27 min
